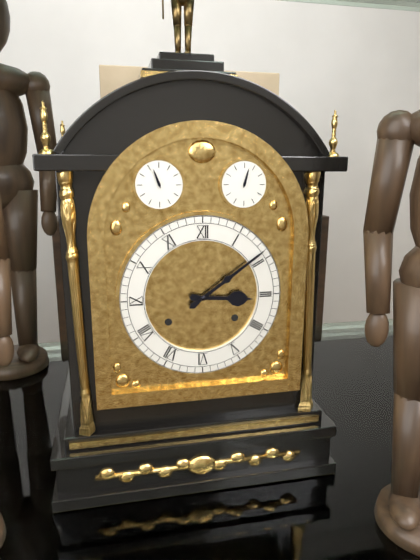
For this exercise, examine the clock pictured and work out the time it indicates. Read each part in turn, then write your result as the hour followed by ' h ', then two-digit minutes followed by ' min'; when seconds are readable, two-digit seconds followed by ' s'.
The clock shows 3 h 09 min
